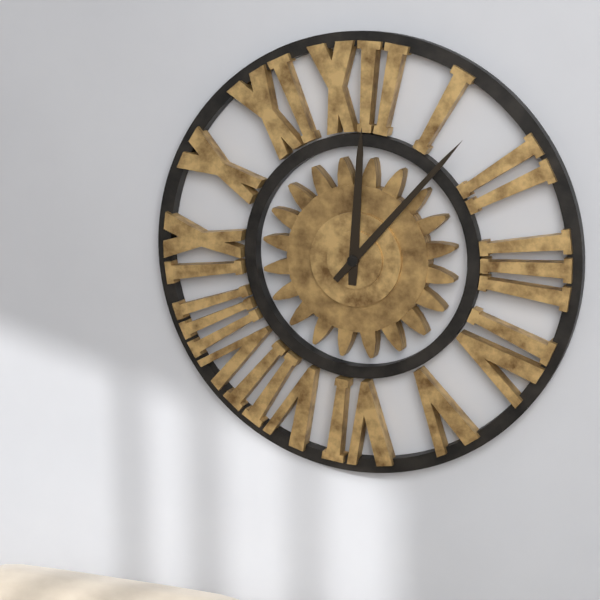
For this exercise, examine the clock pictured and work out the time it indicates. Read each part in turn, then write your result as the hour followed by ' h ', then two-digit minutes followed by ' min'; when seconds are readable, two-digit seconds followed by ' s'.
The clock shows 12 h 07 min
